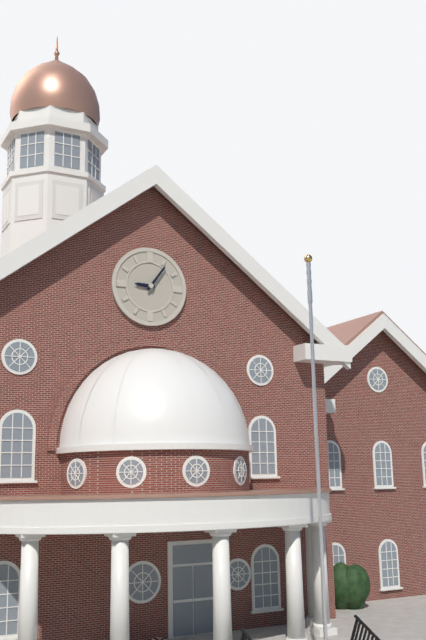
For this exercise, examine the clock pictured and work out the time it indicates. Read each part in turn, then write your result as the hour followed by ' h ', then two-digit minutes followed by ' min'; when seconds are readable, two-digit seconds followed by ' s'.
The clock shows 9 h 06 min
